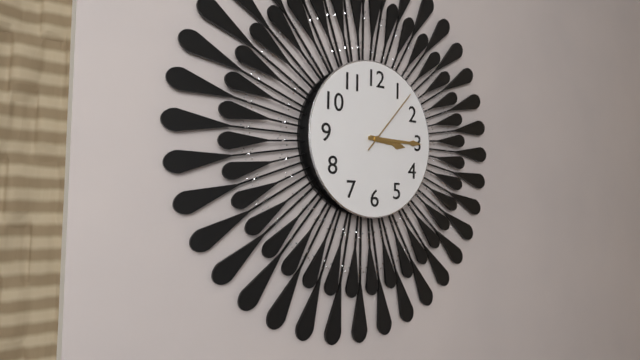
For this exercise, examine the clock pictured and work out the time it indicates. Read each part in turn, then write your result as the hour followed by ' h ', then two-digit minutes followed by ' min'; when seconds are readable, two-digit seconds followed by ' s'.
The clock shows 3 h 15 min 07 s
